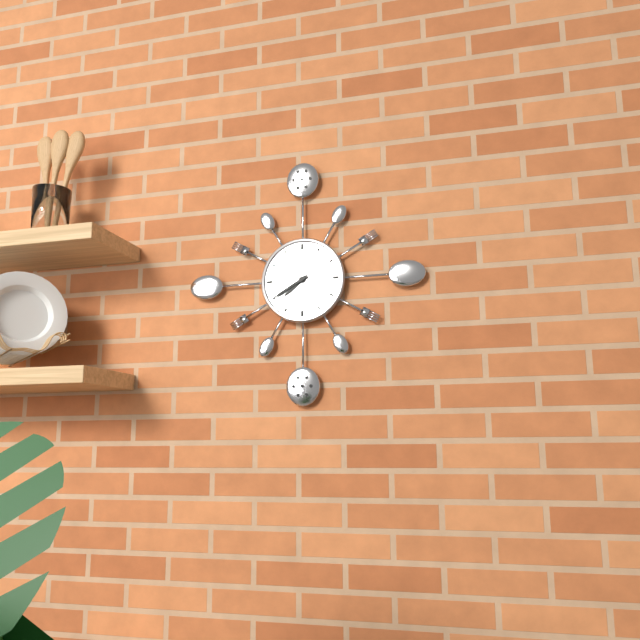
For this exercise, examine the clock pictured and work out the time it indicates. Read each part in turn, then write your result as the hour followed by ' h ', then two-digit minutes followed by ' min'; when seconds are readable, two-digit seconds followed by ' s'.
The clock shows 7 h 40 min
